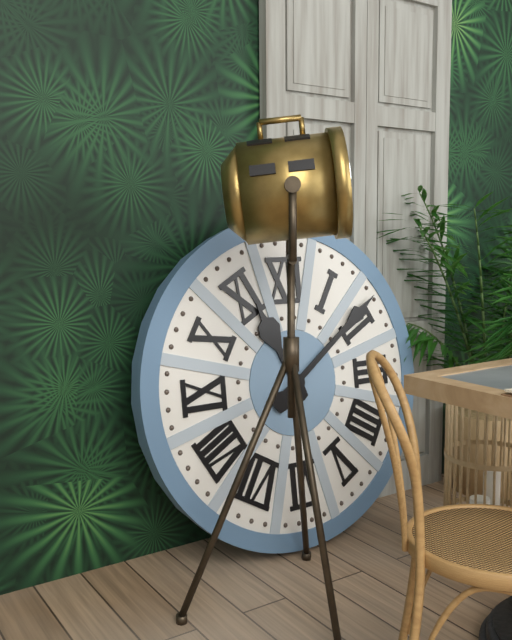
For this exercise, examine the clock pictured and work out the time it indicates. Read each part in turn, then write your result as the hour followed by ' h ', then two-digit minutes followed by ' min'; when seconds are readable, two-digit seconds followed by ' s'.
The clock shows 11 h 09 min
